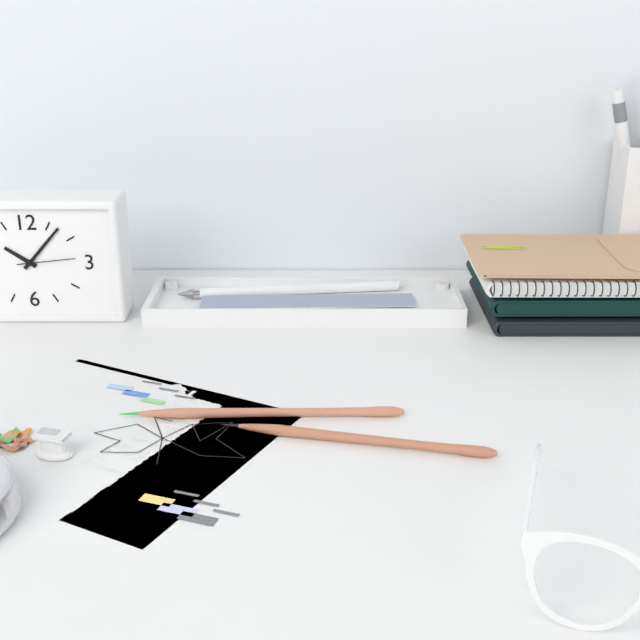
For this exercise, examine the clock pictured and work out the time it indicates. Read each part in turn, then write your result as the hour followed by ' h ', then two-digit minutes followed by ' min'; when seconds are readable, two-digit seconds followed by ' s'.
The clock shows 10 h 07 min 14 s
